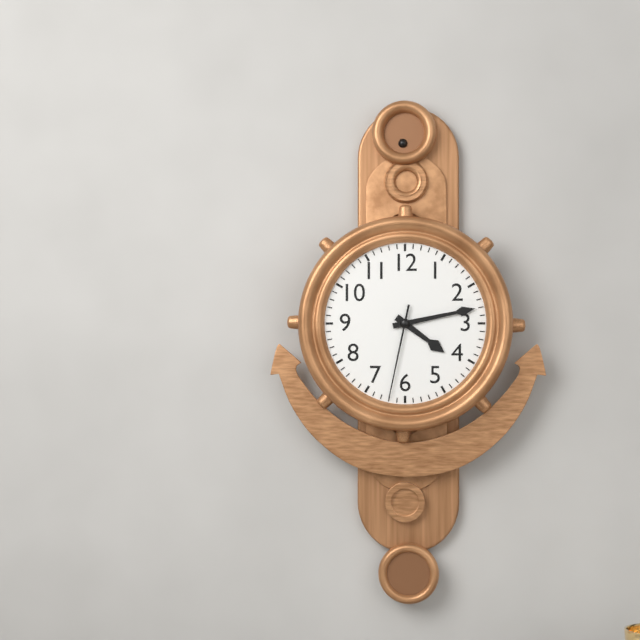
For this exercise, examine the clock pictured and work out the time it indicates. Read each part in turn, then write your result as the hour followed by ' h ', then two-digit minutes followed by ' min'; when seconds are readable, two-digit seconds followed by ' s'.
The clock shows 4 h 13 min 32 s
